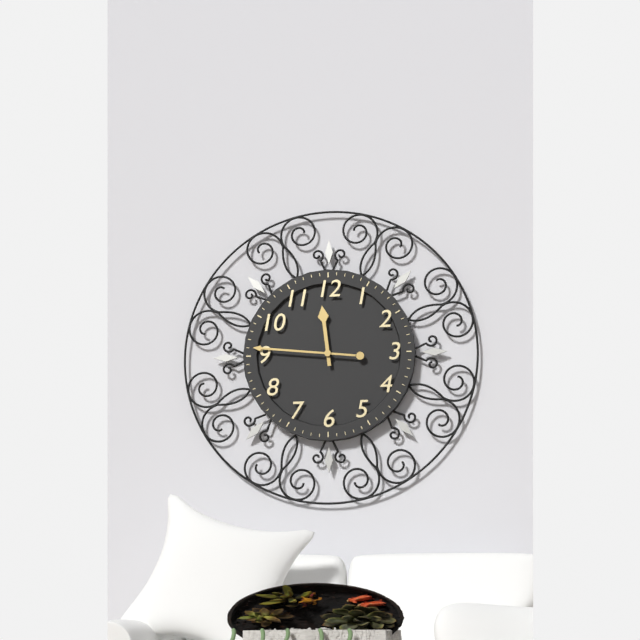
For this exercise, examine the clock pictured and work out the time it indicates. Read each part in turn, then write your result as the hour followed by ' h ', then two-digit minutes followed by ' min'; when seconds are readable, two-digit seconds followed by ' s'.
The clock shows 11 h 46 min
